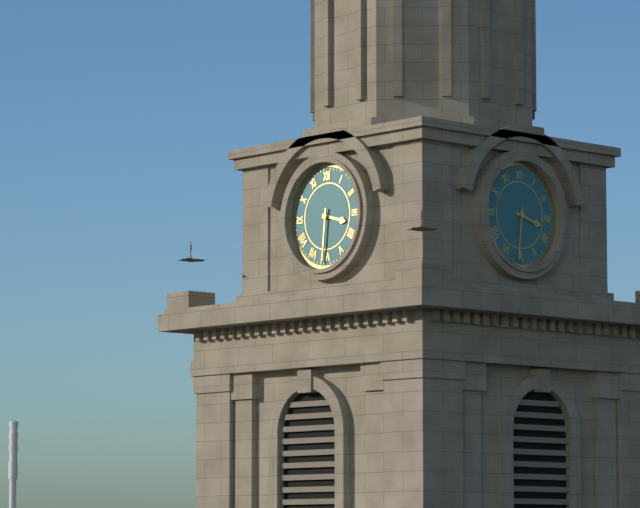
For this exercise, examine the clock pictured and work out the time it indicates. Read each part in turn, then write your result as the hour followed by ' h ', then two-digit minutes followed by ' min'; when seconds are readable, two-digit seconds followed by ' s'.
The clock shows 3 h 31 min
